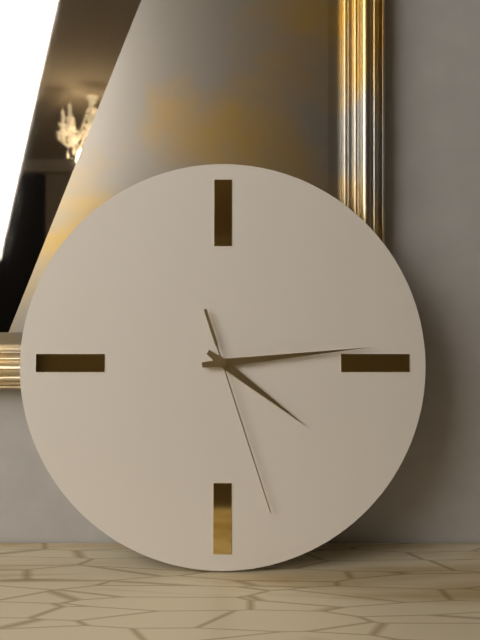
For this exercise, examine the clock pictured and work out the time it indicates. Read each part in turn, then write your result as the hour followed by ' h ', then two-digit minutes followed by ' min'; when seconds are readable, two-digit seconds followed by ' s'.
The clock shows 4 h 14 min 27 s
